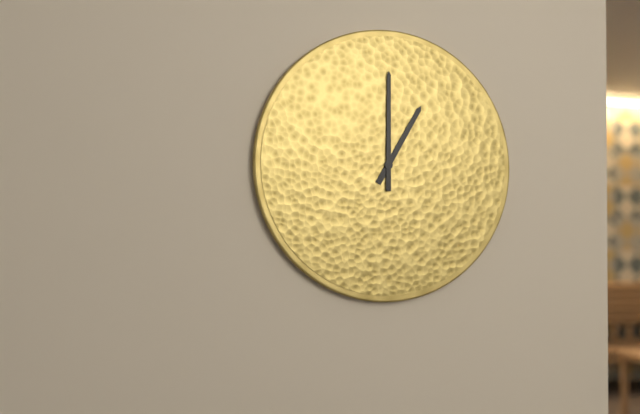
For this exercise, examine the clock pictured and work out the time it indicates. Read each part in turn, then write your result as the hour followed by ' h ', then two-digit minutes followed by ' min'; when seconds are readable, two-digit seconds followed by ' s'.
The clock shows 1 h 00 min
